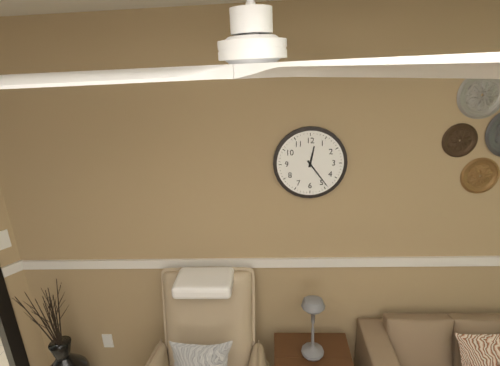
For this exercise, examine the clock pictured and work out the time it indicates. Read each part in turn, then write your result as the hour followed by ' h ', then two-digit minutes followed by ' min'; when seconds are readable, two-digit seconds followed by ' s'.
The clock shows 12 h 24 min
